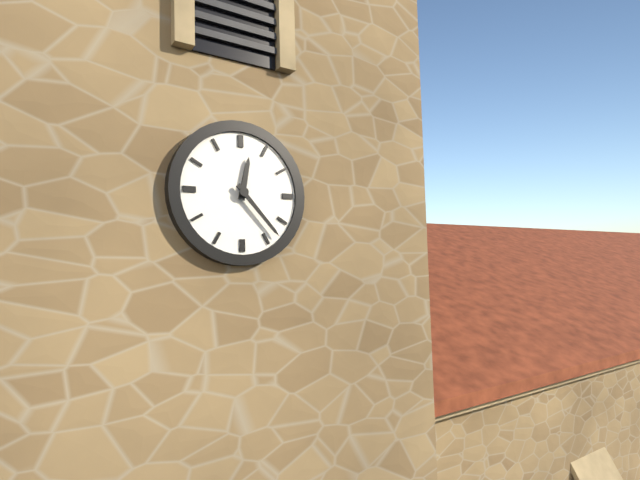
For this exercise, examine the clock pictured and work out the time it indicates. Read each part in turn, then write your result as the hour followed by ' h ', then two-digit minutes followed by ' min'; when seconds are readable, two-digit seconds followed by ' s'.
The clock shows 12 h 23 min
